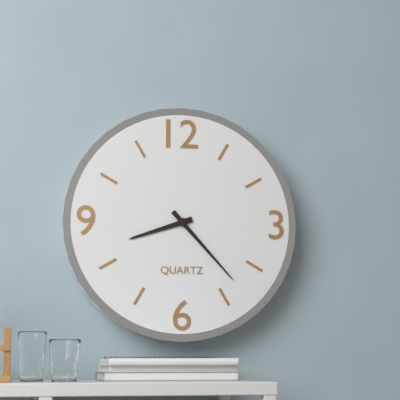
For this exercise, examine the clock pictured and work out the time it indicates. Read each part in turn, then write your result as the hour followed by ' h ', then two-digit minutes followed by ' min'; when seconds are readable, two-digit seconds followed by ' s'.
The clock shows 8 h 23 min
